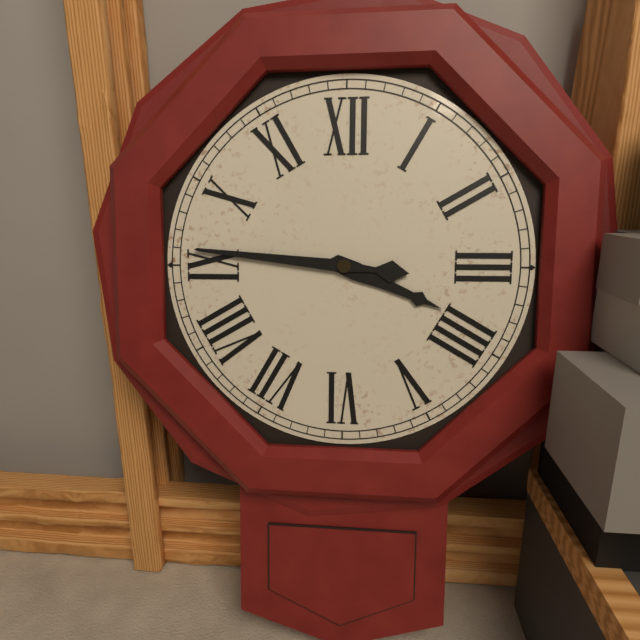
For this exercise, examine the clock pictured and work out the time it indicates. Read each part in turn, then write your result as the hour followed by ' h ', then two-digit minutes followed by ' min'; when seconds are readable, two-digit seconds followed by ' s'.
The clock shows 3 h 46 min
